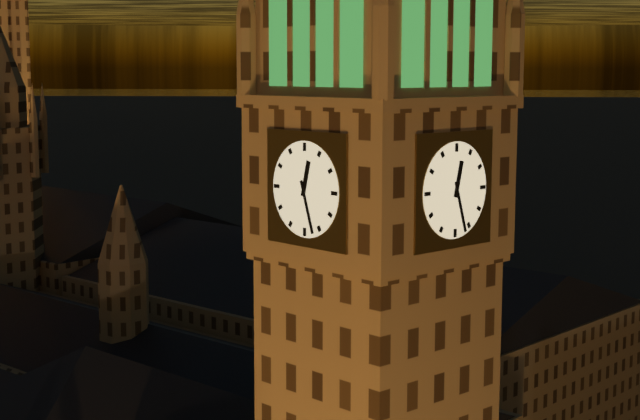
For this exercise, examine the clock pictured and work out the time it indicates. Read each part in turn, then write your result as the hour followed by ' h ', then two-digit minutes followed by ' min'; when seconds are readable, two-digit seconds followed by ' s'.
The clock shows 12 h 27 min
